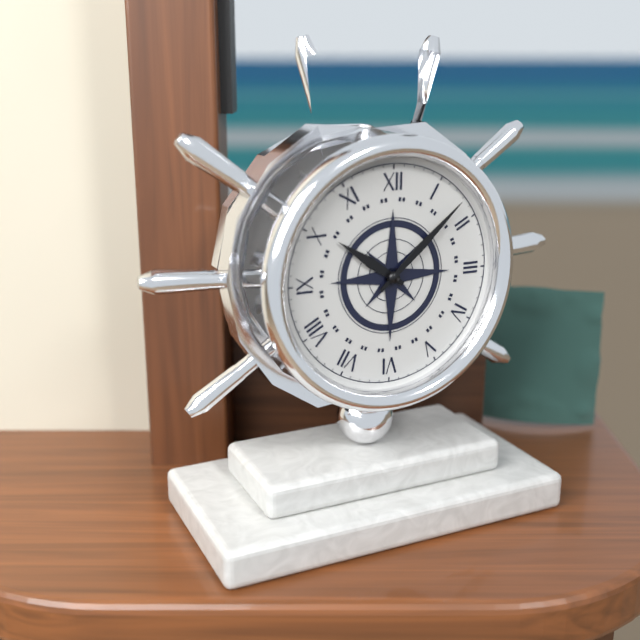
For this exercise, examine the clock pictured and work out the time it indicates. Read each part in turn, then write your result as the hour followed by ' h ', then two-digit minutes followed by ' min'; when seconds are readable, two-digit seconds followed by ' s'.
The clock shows 10 h 08 min
